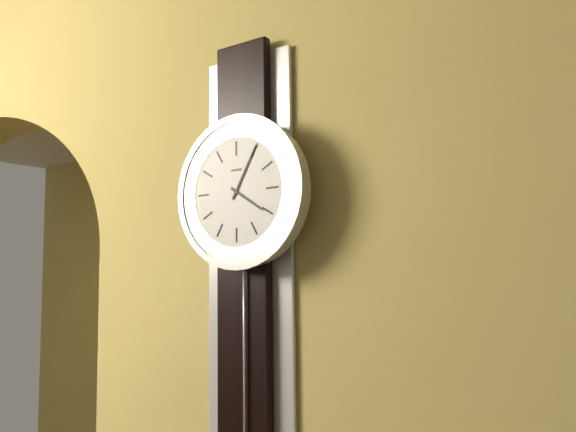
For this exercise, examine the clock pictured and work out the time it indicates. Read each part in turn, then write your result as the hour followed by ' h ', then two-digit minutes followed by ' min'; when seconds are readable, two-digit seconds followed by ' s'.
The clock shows 4 h 05 min
